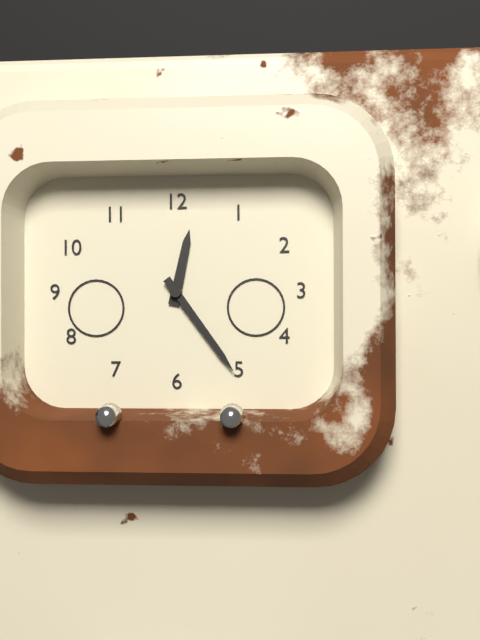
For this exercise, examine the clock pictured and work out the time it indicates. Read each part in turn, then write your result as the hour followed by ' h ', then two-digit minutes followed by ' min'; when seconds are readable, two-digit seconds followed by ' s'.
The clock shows 12 h 24 min
